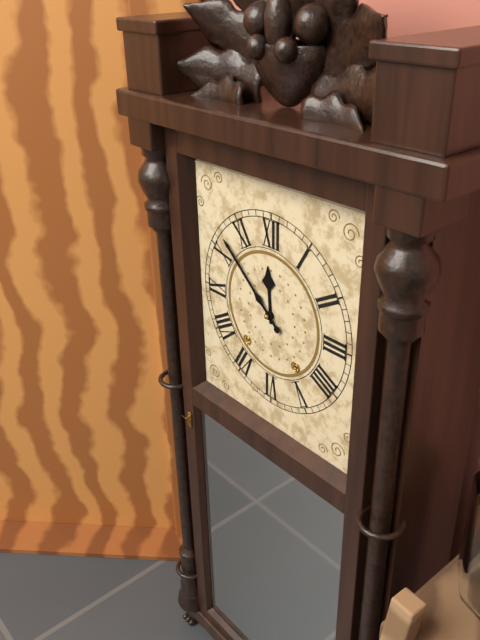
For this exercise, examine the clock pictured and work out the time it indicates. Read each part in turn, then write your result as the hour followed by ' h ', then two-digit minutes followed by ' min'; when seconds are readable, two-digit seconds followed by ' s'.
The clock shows 11 h 52 min
